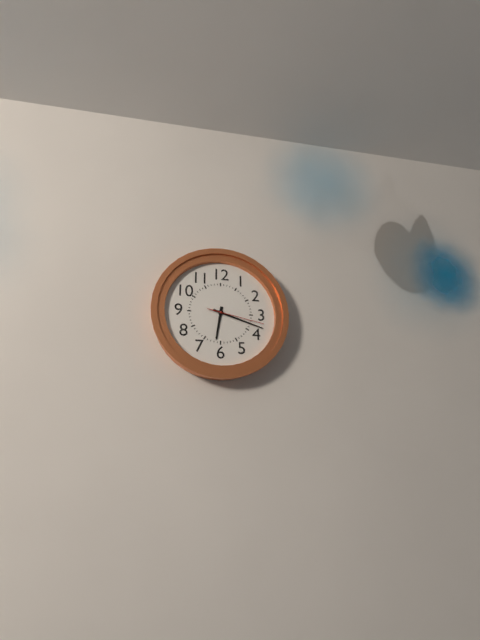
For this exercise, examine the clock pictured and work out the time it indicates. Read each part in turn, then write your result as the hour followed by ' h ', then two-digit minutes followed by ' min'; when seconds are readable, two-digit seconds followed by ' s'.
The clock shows 6 h 18 min 17 s
